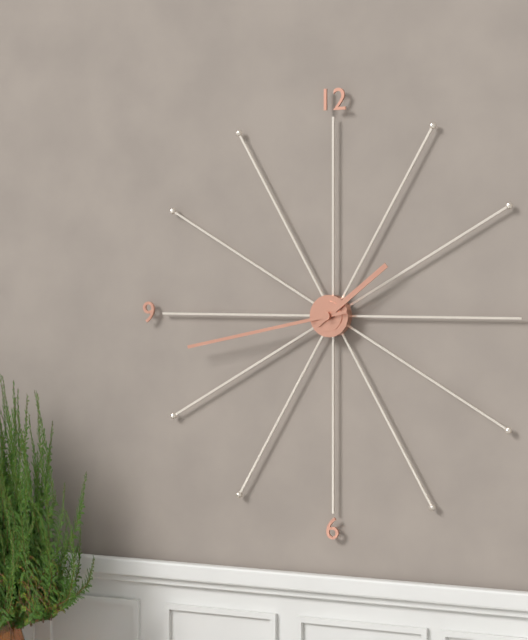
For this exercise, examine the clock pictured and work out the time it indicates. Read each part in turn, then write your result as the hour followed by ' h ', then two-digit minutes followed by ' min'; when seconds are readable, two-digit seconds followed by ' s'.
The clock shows 1 h 43 min
